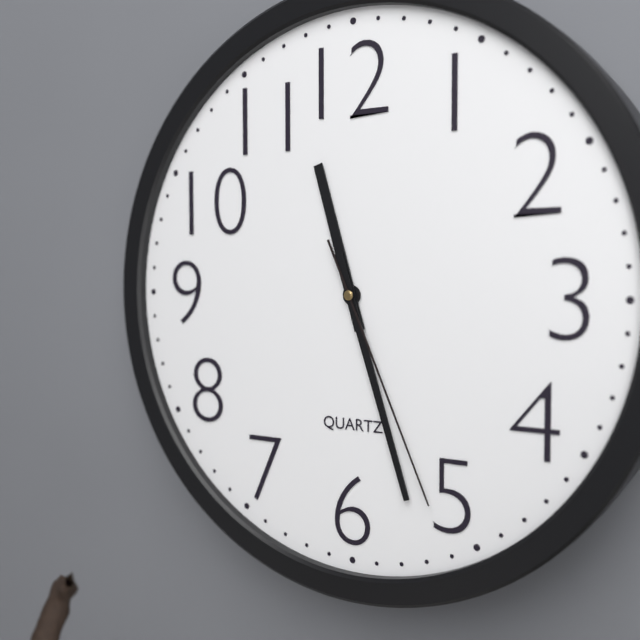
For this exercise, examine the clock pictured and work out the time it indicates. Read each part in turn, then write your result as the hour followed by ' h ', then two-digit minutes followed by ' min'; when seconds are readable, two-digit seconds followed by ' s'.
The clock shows 11 h 27 min 26 s
